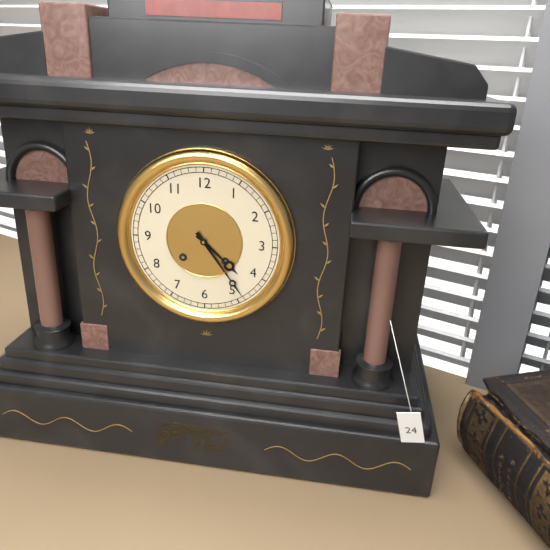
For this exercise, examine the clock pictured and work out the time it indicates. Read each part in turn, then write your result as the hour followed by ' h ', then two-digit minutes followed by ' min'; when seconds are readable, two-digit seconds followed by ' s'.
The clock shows 4 h 24 min
